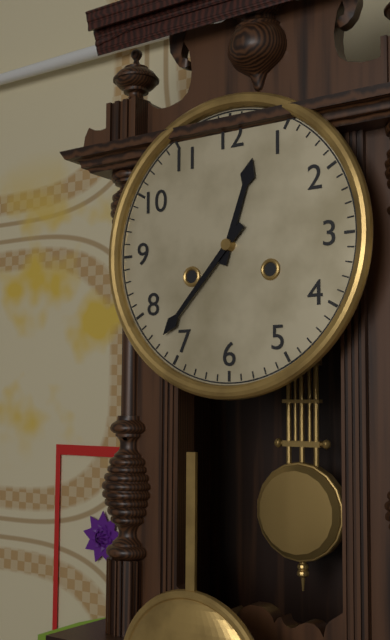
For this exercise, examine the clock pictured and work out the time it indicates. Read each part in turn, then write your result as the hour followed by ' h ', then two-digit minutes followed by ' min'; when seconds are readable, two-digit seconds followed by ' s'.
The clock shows 12 h 37 min
